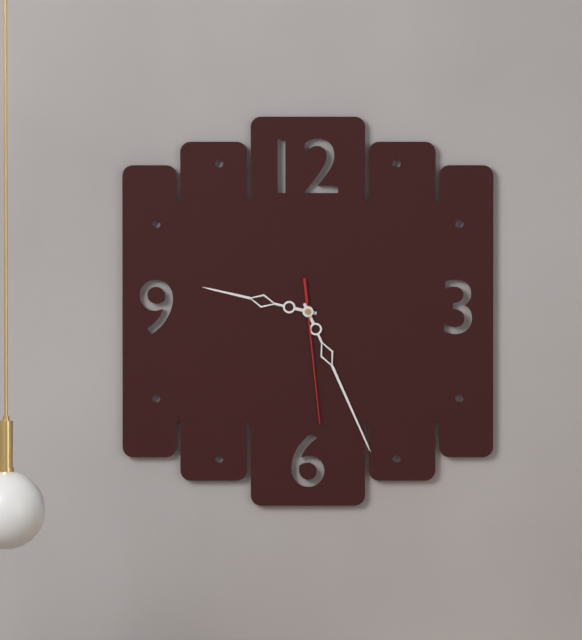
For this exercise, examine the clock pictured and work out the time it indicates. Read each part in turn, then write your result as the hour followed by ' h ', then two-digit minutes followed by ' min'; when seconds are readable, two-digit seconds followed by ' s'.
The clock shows 9 h 26 min 29 s
